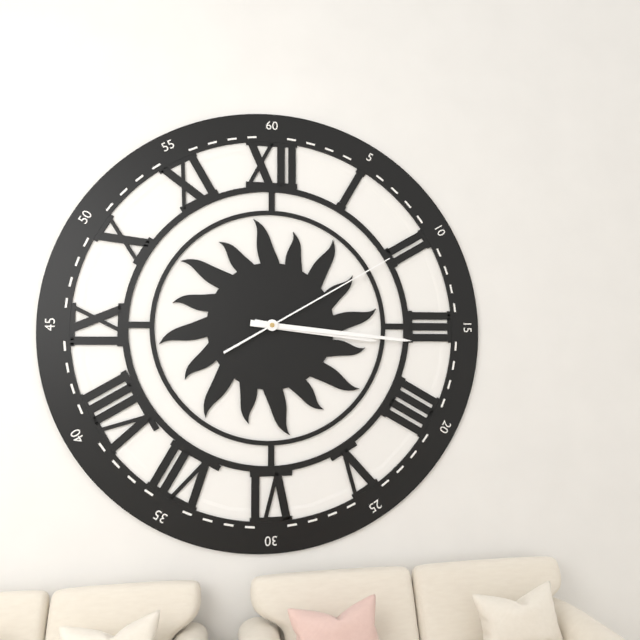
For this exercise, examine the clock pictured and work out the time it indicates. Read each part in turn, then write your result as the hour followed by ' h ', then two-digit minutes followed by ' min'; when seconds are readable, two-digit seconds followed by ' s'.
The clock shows 3 h 16 min 10 s
